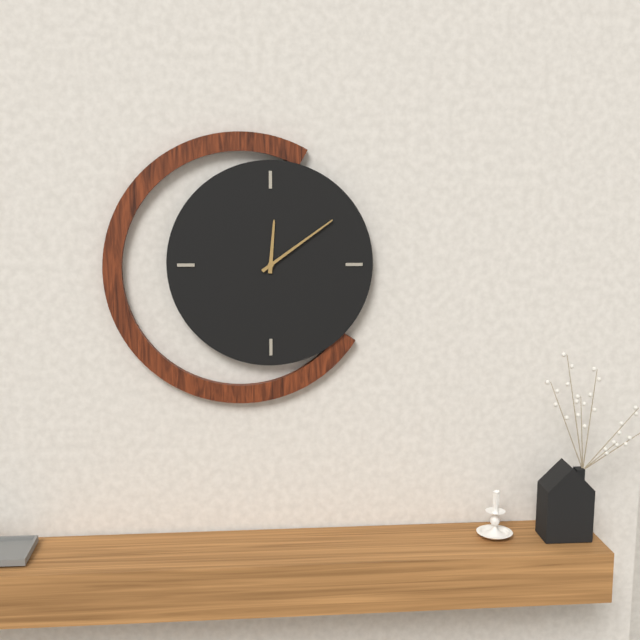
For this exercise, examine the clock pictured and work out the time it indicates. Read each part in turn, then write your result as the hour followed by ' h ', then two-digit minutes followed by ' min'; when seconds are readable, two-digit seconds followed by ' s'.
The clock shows 12 h 09 min
